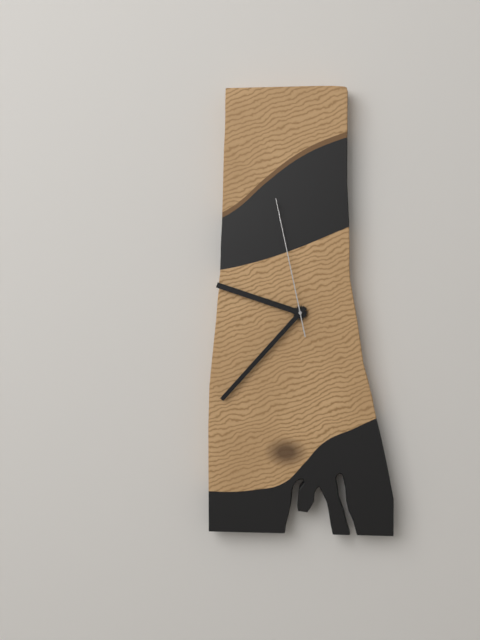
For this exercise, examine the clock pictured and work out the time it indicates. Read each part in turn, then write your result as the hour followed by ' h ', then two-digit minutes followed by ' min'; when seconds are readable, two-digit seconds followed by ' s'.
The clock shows 9 h 37 min 58 s
